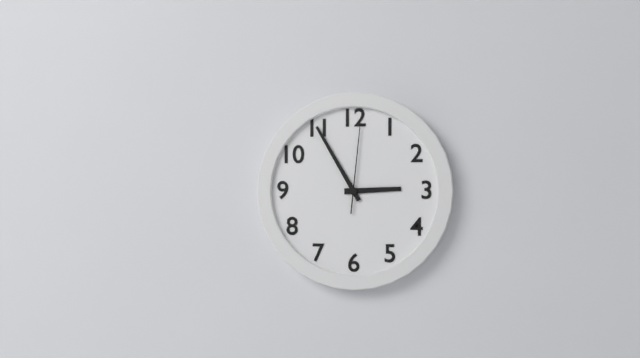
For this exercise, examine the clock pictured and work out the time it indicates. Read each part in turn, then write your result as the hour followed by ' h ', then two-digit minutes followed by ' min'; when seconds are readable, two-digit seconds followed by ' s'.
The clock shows 2 h 55 min 01 s
